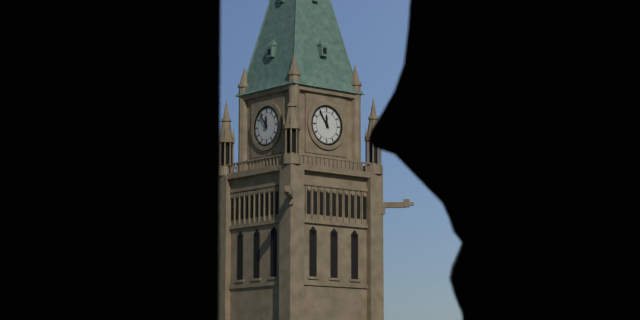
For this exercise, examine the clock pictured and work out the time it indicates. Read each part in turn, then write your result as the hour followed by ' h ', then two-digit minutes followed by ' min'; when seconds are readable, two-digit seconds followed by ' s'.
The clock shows 11 h 54 min
